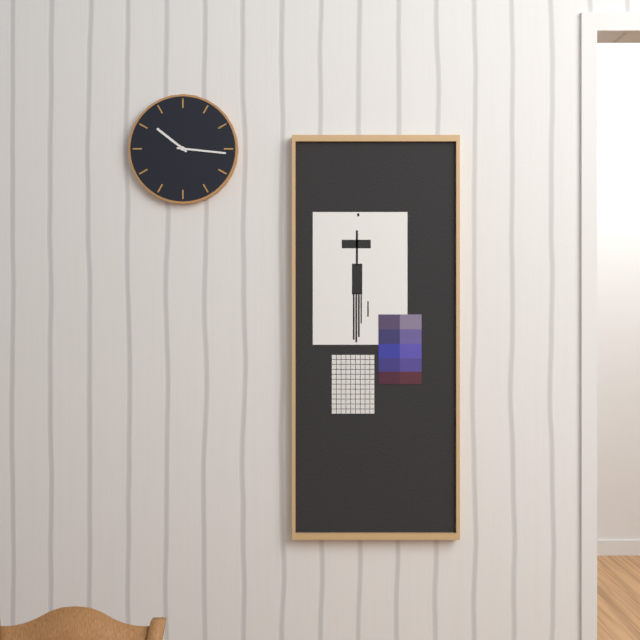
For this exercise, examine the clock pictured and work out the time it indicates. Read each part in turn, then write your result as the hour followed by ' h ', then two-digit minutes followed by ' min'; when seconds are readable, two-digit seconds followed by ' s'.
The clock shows 10 h 16 min
